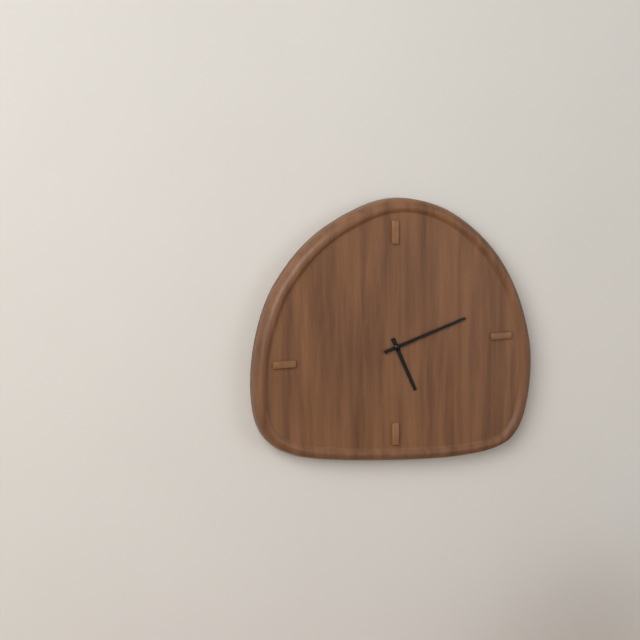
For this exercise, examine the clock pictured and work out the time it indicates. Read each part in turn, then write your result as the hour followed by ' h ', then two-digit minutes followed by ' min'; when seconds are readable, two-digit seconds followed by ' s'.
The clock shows 5 h 12 min
